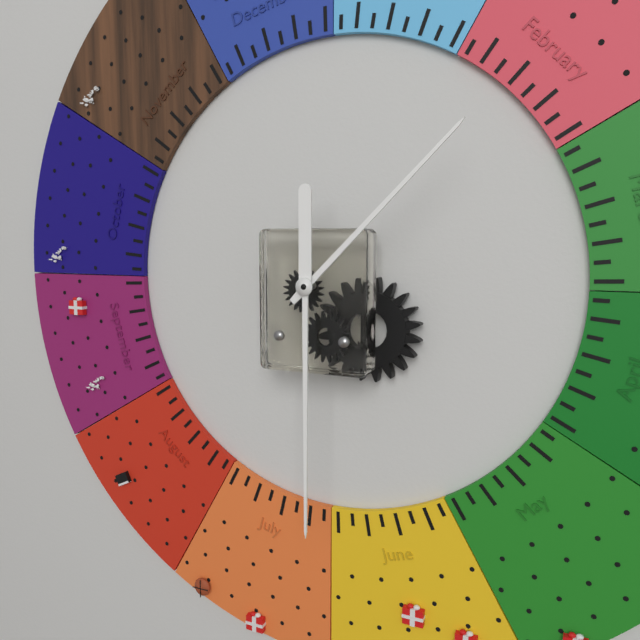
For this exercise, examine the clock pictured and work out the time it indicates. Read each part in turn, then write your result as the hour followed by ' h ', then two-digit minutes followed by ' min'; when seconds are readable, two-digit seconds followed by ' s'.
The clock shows 1 h 30 min
